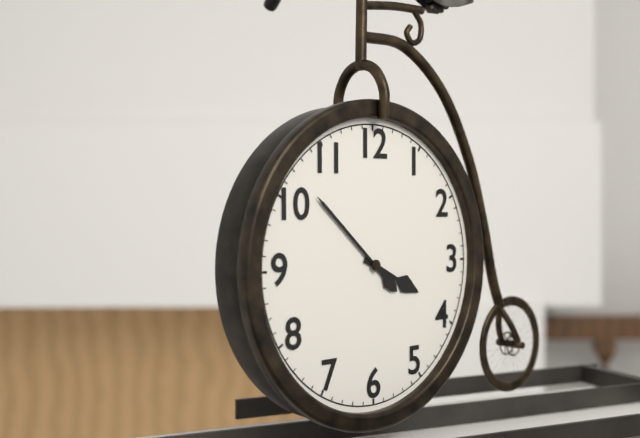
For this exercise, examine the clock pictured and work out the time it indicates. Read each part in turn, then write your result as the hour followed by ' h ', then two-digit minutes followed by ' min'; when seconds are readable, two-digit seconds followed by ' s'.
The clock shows 3 h 52 min
